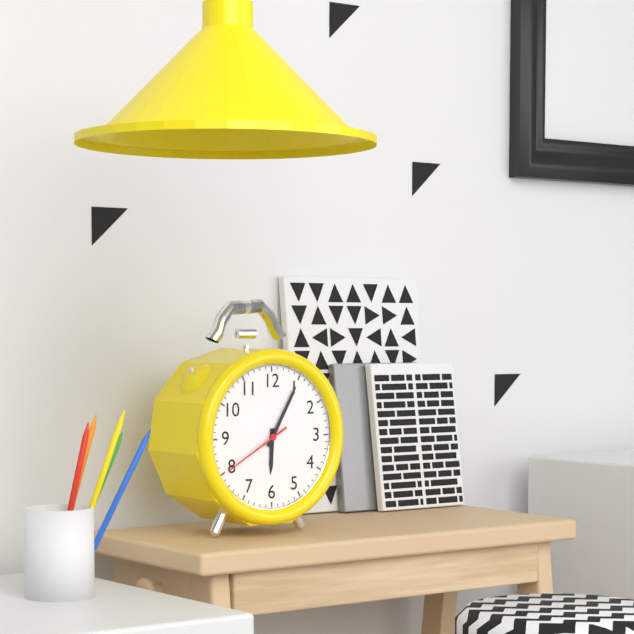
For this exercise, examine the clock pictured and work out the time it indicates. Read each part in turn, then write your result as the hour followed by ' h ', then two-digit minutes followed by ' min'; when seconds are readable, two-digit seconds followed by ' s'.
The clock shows 6 h 05 min 40 s
